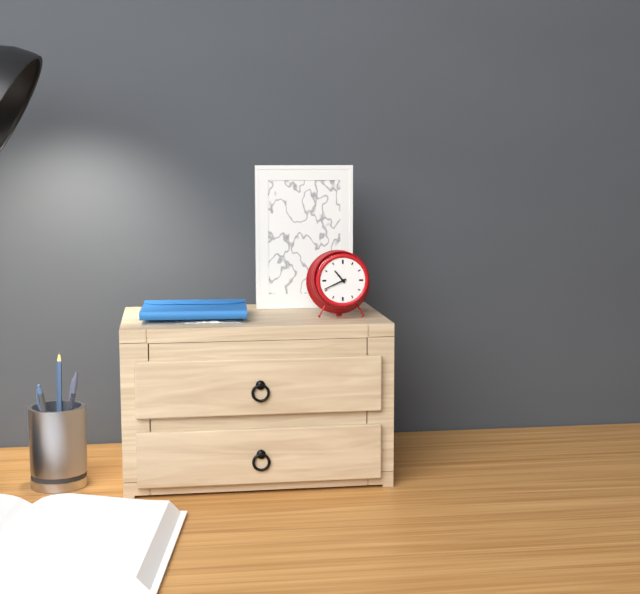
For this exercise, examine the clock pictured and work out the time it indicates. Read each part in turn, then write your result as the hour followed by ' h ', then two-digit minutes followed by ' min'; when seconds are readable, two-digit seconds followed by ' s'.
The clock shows 10 h 41 min
